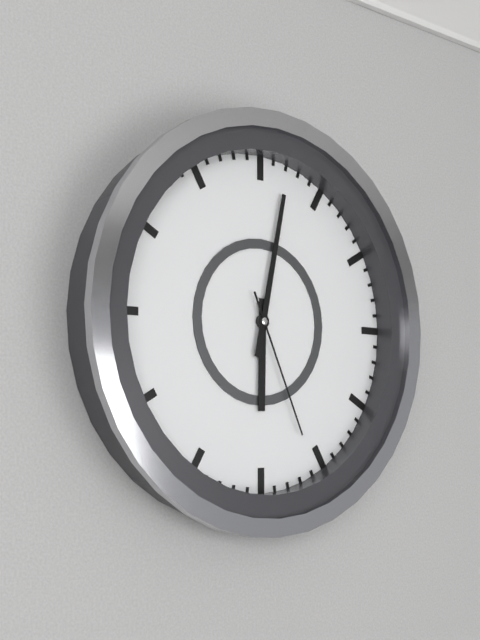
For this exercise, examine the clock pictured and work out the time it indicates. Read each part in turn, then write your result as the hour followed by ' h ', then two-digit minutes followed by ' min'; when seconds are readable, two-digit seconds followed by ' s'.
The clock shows 6 h 02 min 26 s
